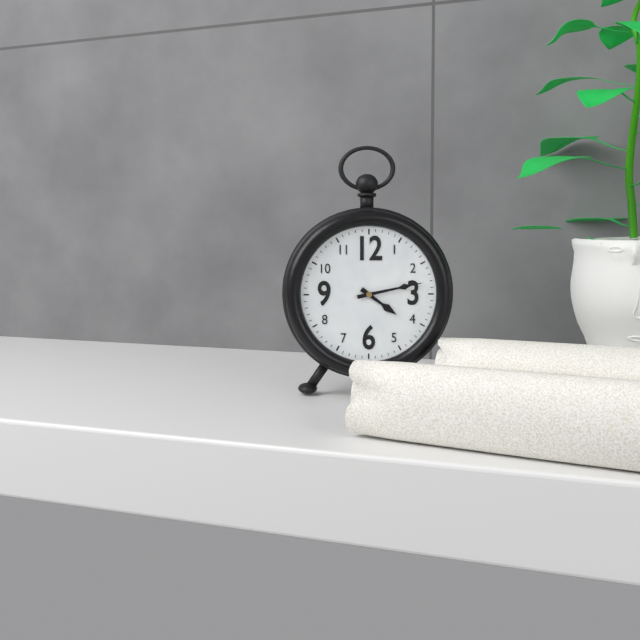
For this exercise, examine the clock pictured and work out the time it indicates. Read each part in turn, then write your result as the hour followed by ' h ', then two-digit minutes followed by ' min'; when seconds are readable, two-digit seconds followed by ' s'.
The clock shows 4 h 13 min
